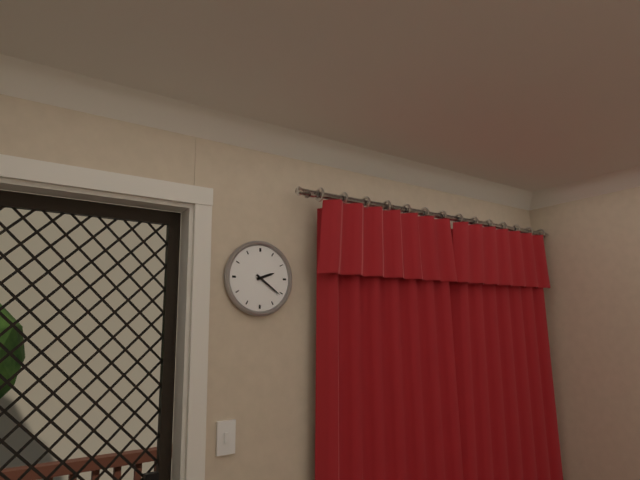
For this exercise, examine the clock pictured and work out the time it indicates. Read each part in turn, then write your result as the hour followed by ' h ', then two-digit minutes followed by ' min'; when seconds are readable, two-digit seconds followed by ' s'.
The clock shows 2 h 21 min
